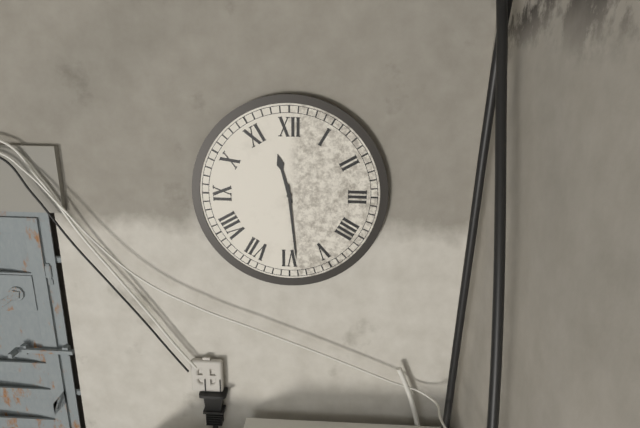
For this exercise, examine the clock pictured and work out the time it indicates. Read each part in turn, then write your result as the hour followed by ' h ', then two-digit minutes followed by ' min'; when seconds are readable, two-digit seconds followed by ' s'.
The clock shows 11 h 29 min
